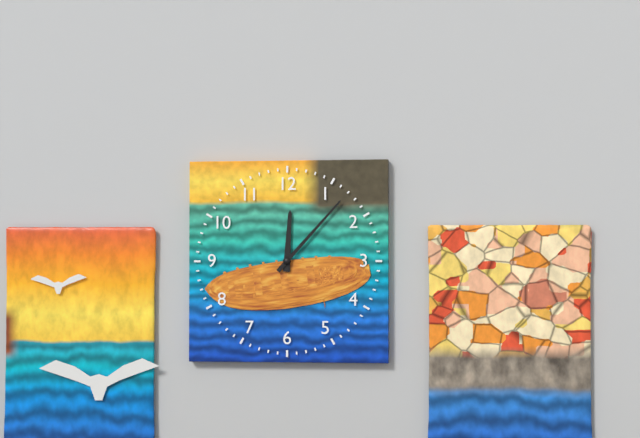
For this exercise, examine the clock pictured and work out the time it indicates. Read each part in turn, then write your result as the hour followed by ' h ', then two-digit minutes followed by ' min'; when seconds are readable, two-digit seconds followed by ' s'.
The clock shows 12 h 07 min
